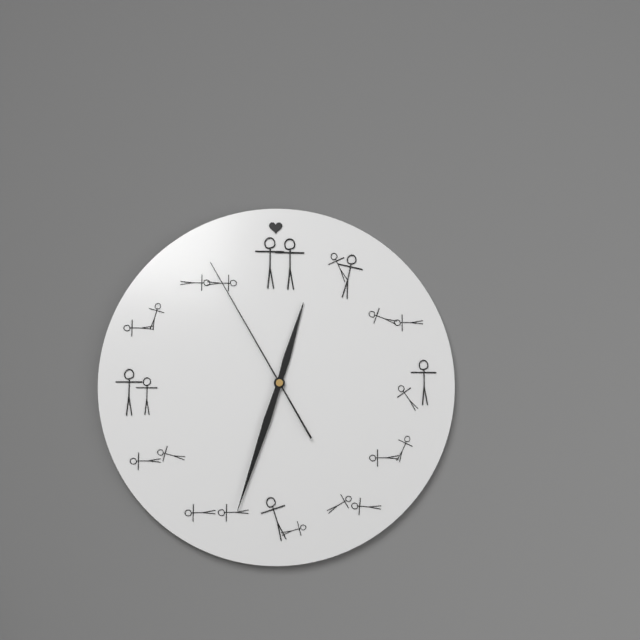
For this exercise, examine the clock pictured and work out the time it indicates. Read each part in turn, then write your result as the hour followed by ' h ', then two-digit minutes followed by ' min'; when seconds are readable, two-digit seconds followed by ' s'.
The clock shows 12 h 33 min 55 s
